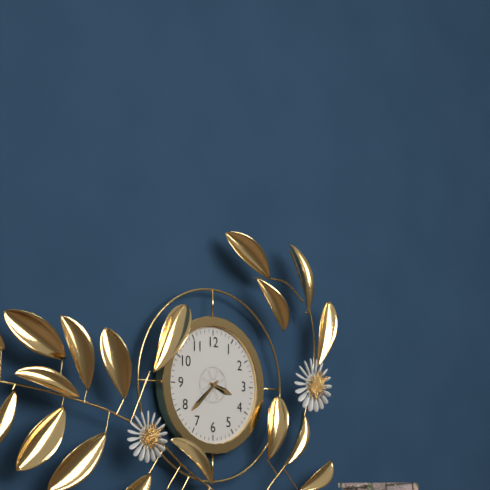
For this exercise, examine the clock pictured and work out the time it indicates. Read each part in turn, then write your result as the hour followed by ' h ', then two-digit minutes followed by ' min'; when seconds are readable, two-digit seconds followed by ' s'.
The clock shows 3 h 38 min
